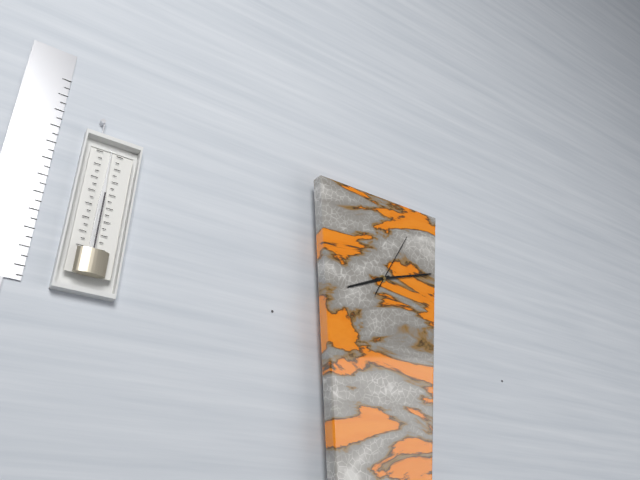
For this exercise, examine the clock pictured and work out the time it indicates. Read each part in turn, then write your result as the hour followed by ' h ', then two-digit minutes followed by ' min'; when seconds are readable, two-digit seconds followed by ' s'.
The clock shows 8 h 12 min 05 s
